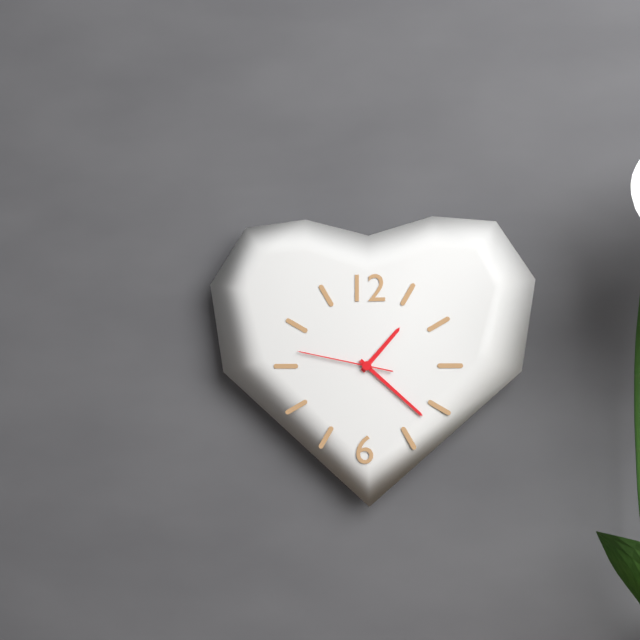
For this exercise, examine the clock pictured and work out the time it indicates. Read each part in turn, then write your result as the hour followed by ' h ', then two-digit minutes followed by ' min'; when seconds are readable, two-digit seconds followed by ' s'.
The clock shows 1 h 22 min 47 s
